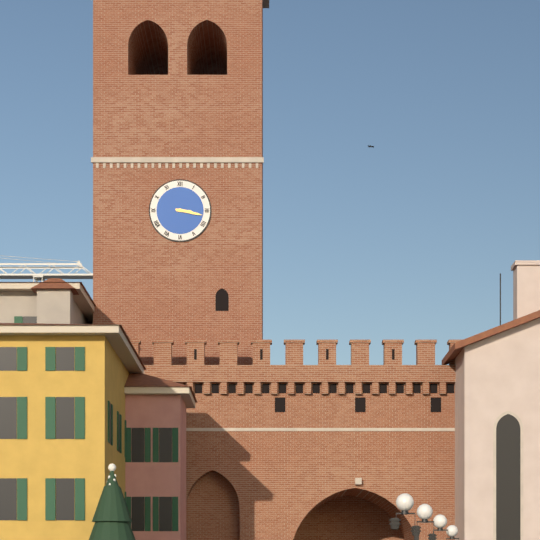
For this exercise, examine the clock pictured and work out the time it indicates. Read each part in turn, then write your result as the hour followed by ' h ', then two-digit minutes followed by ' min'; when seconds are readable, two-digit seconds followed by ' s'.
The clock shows 3 h 17 min
